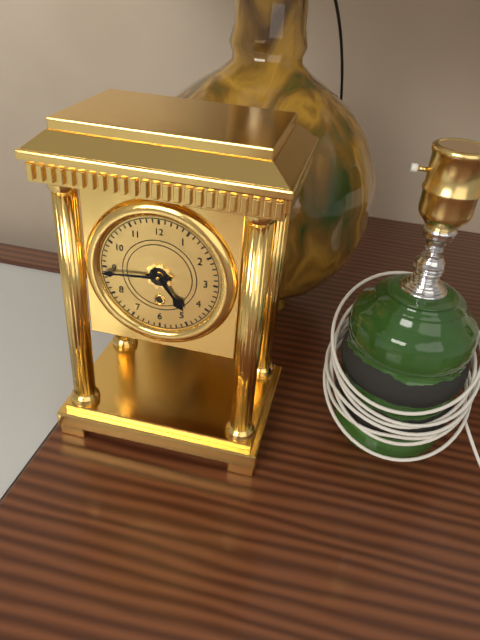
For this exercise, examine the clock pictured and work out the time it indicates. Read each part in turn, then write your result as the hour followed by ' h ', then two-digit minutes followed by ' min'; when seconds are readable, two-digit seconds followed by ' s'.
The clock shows 4 h 44 min
